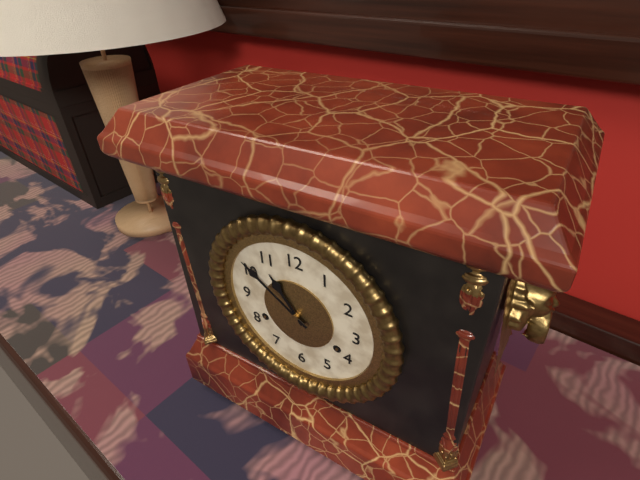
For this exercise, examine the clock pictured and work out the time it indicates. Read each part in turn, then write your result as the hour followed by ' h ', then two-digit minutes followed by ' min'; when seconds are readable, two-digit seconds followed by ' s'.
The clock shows 10 h 51 min
